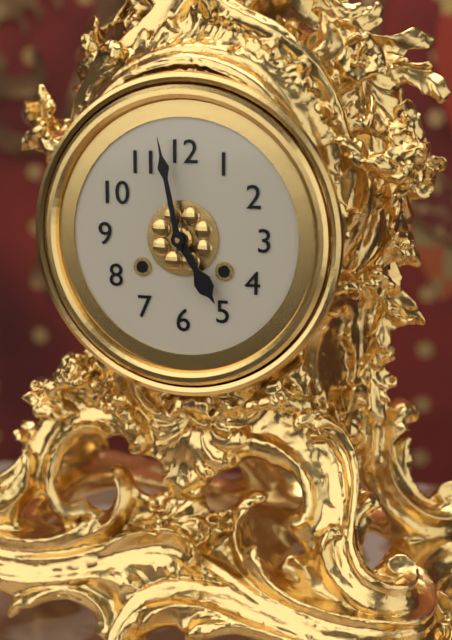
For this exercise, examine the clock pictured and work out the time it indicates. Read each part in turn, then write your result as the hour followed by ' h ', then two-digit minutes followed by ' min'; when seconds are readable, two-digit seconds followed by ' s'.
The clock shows 4 h 58 min
